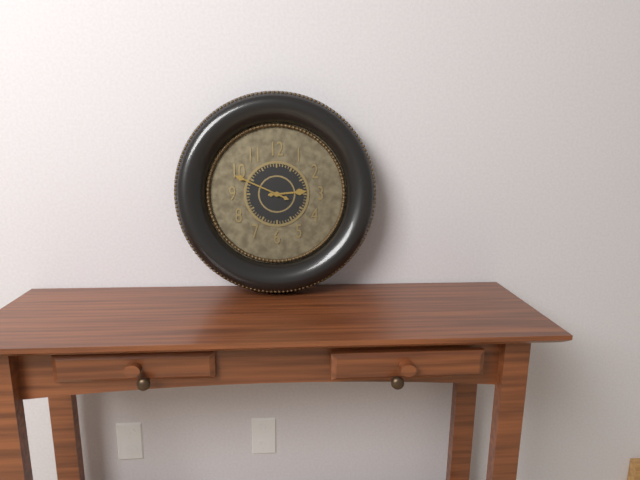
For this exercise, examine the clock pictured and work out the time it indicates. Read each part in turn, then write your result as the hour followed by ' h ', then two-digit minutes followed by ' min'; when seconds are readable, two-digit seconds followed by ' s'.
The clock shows 2 h 49 min
